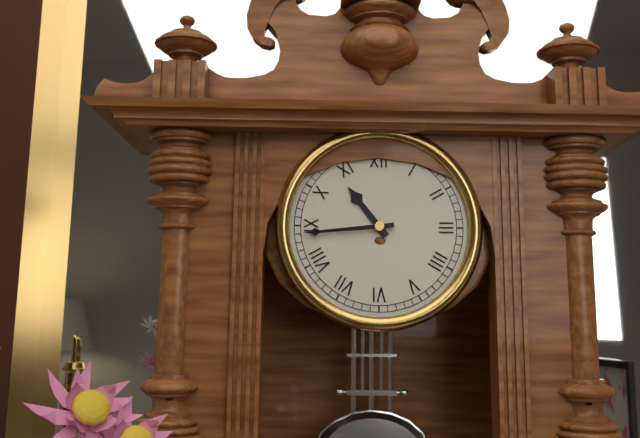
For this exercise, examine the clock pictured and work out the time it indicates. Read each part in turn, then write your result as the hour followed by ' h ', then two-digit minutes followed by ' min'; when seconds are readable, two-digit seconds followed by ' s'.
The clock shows 10 h 44 min
